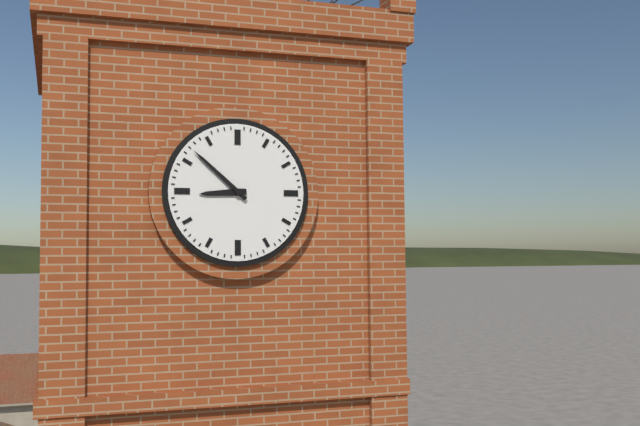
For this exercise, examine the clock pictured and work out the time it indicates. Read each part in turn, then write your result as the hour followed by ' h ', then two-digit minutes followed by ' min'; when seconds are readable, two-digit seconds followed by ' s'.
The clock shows 8 h 52 min
